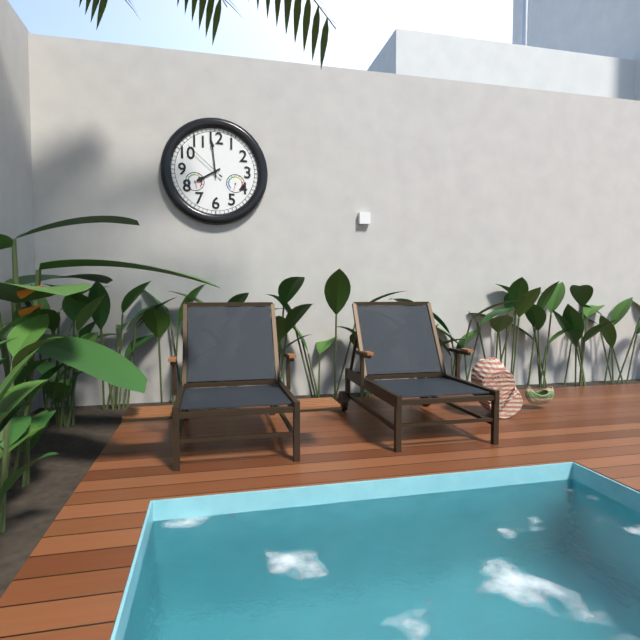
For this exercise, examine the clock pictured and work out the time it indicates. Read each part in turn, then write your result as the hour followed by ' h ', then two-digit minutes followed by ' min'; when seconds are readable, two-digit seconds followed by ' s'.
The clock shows 7 h 59 min
